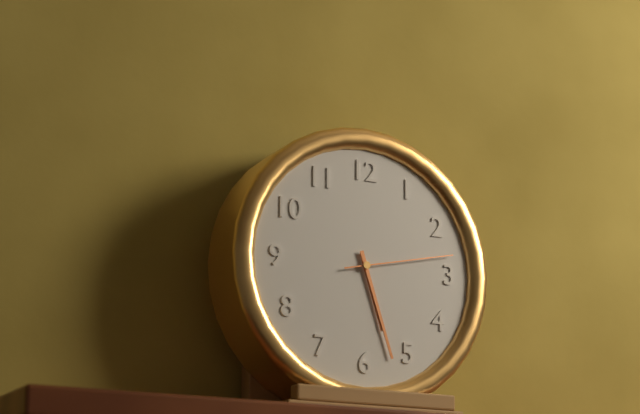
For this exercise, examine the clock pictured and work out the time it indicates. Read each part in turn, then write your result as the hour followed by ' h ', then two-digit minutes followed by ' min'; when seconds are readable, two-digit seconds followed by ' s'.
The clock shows 5 h 27 min 13 s
